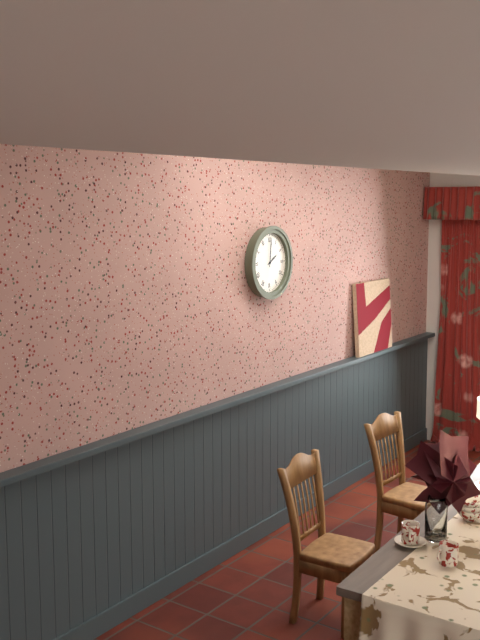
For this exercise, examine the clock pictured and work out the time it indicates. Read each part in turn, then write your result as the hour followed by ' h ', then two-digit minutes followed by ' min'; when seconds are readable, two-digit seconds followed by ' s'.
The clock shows 2 h 01 min
